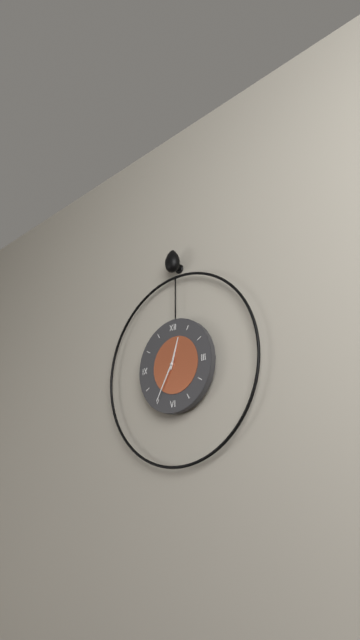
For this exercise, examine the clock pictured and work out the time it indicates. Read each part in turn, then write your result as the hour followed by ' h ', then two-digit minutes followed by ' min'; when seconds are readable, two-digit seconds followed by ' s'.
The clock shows 12 h 35 min
